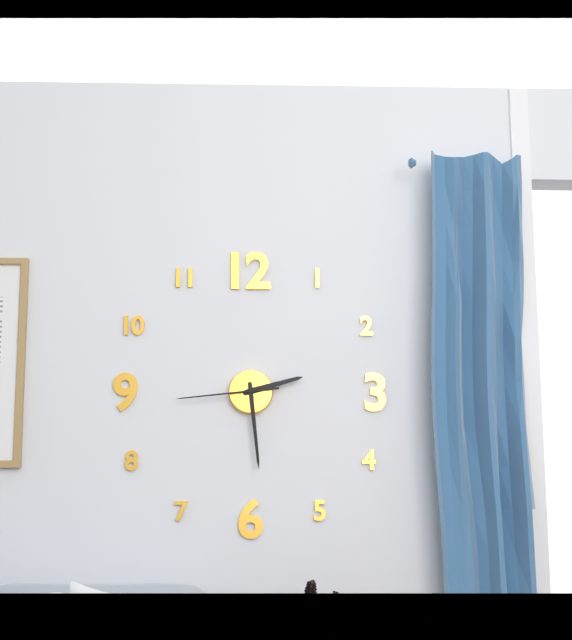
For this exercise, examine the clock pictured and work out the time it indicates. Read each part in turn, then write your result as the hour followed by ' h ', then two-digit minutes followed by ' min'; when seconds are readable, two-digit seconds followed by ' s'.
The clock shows 2 h 29 min 44 s
